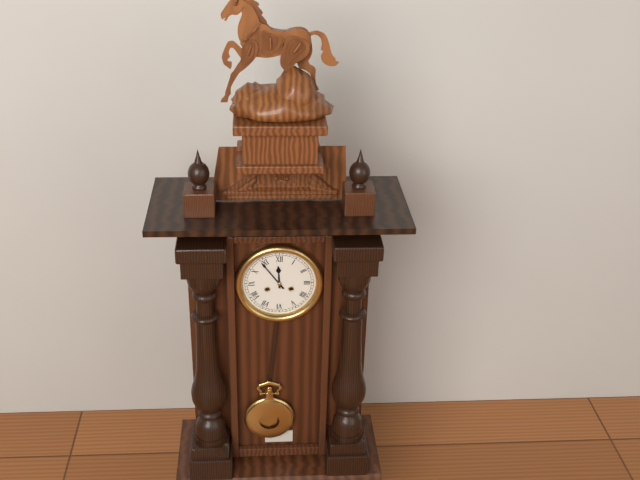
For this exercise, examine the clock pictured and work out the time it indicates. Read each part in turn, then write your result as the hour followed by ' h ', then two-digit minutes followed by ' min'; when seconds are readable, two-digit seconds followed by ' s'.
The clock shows 11 h 54 min
